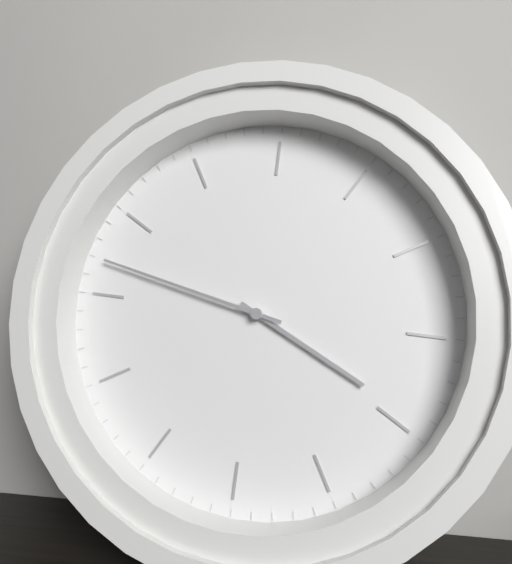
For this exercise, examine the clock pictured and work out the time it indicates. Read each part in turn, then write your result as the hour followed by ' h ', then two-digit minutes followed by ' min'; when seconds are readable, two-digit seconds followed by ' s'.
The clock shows 4 h 52 min
